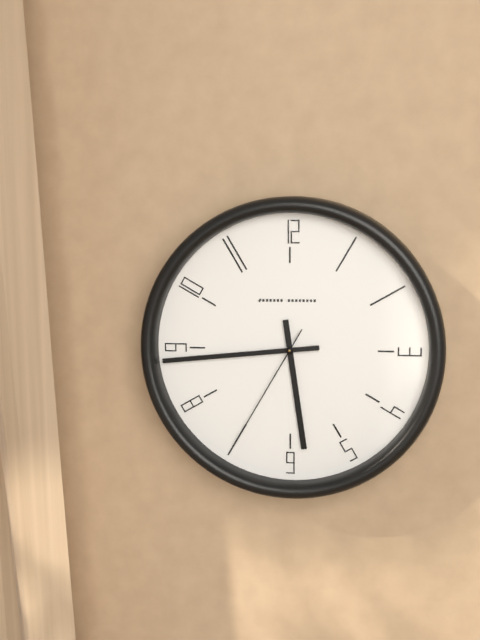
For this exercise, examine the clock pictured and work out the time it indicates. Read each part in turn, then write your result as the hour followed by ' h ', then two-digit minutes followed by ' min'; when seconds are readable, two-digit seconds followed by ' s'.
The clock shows 5 h 44 min 35 s
